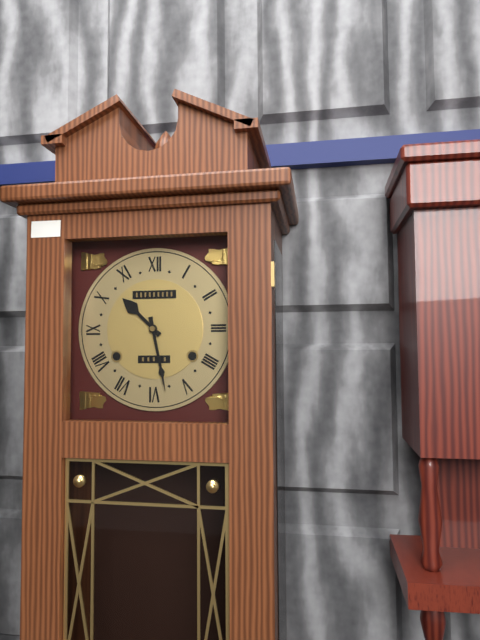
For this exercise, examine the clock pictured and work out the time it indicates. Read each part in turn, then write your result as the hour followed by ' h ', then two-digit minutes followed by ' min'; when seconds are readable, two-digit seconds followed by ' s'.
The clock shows 10 h 28 min
